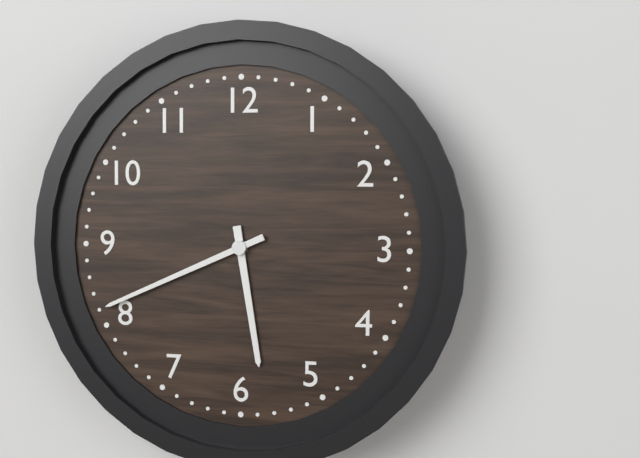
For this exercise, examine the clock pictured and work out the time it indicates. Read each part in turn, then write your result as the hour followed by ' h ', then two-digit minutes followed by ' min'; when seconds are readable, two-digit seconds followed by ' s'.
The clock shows 5 h 41 min
